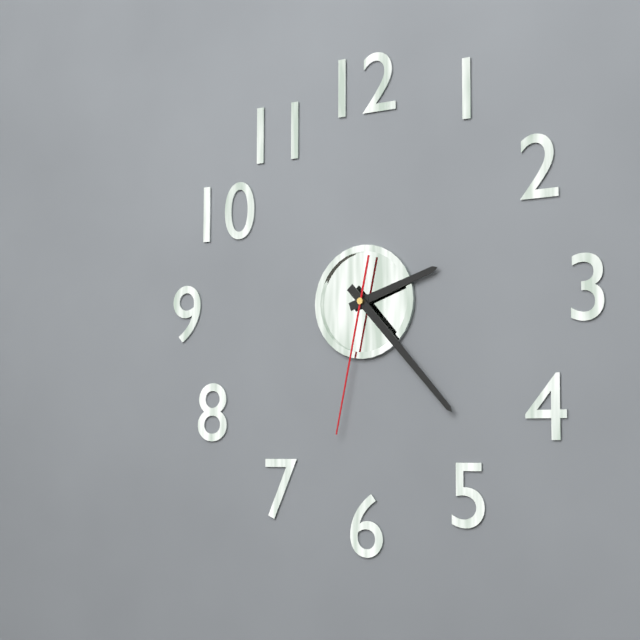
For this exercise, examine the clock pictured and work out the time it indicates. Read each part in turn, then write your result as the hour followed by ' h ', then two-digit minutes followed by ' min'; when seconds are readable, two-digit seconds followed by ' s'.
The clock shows 2 h 23 min 32 s
